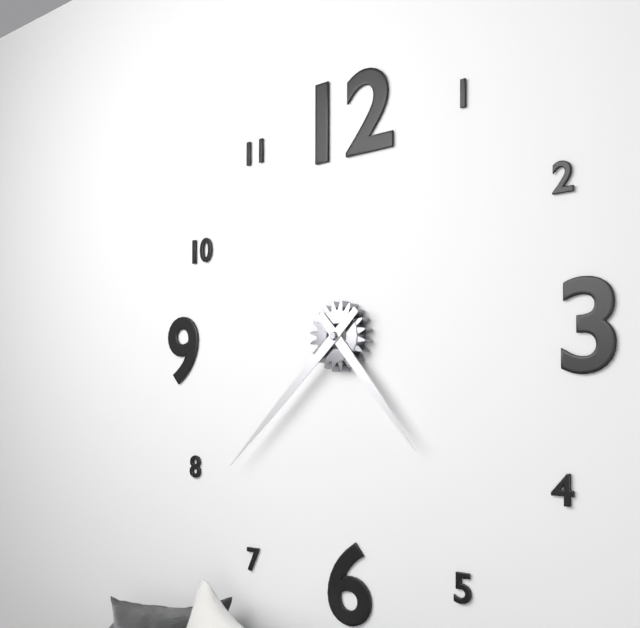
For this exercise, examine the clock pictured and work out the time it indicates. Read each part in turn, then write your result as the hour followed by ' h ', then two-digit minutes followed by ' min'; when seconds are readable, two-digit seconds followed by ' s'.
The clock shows 4 h 38 min
